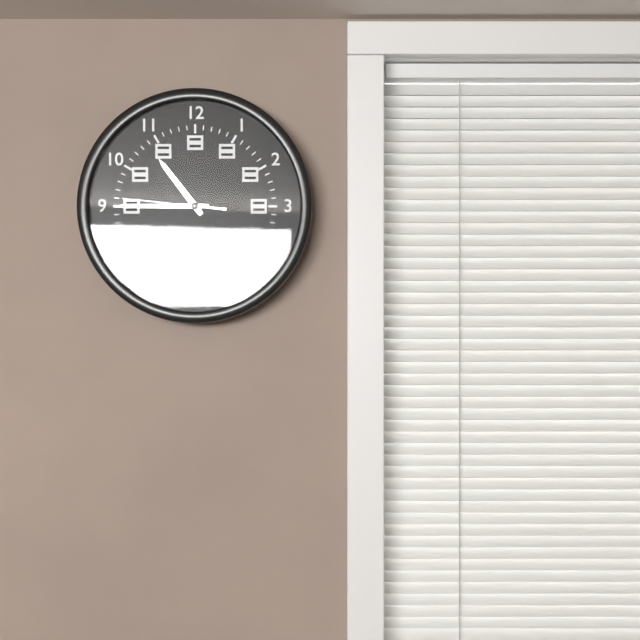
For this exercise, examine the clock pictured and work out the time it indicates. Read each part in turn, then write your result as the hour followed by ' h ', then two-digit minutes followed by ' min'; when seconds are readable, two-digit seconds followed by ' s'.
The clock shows 10 h 45 min 46 s
